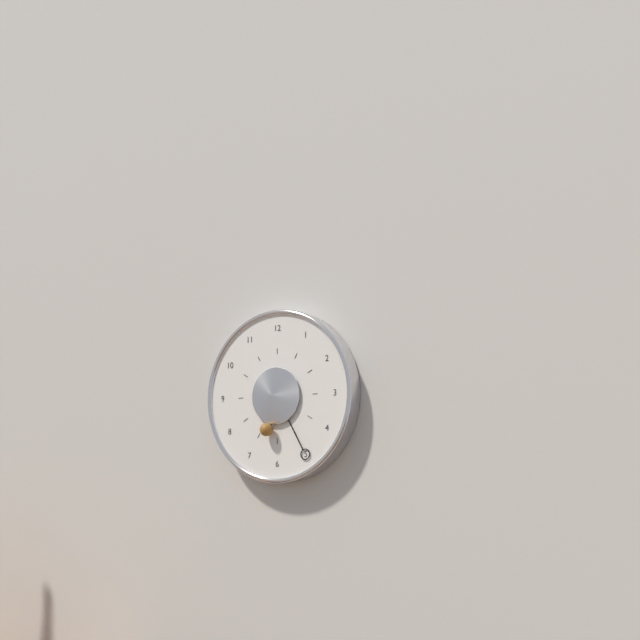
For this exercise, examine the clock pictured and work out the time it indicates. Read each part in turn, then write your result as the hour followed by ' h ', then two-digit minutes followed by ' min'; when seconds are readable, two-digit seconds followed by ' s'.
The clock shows 6 h 25 min
